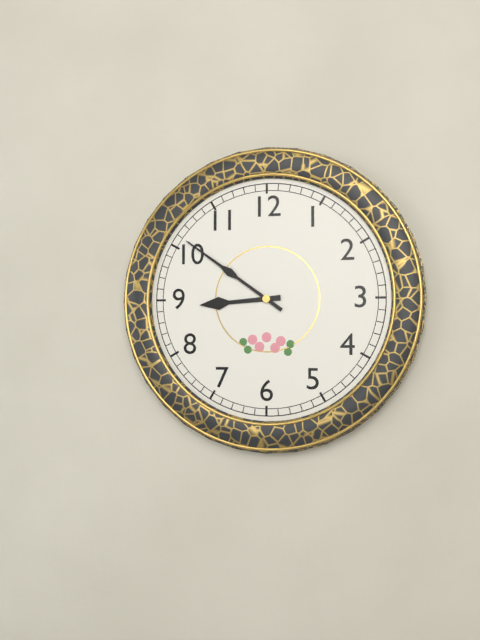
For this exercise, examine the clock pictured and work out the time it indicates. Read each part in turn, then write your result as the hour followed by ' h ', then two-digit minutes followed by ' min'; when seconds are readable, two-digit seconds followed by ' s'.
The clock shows 8 h 51 min
